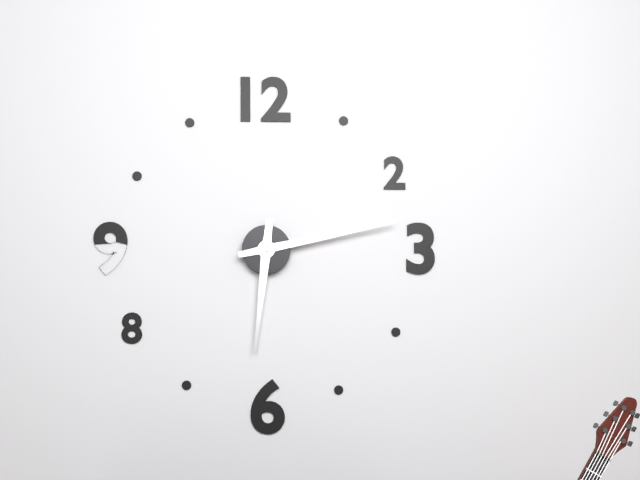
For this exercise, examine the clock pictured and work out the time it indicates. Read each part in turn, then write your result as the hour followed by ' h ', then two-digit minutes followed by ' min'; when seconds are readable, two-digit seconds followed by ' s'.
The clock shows 6 h 13 min
